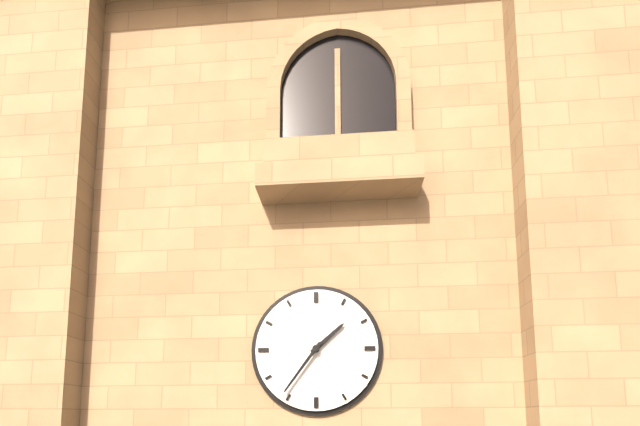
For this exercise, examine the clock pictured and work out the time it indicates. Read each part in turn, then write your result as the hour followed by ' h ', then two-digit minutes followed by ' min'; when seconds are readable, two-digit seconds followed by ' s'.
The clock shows 1 h 36 min
